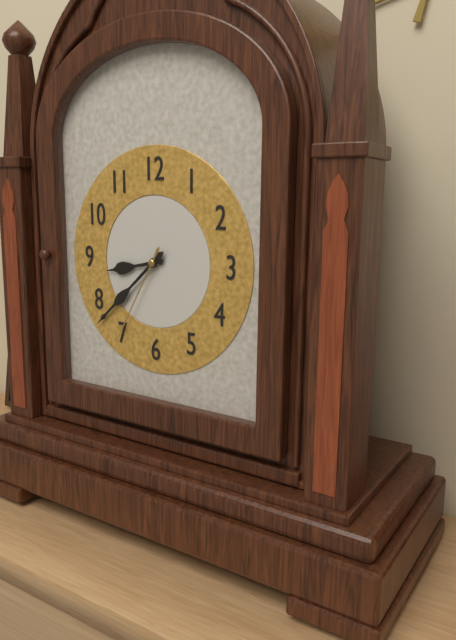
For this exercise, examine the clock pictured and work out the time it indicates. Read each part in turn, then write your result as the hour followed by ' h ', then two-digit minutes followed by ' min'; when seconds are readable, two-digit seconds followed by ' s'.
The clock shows 8 h 38 min 35 s
